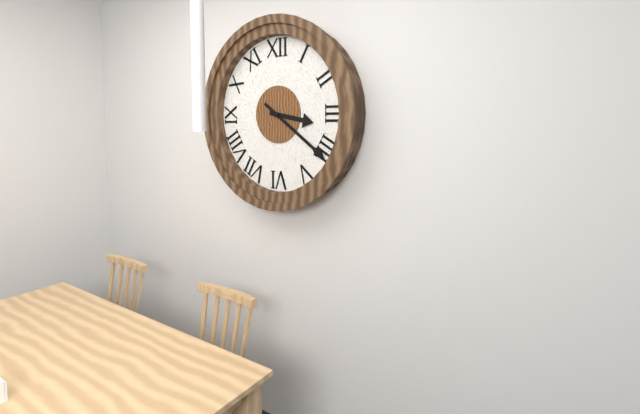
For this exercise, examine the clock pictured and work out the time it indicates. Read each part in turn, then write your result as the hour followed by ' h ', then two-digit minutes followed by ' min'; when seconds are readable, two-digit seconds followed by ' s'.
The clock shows 3 h 21 min
